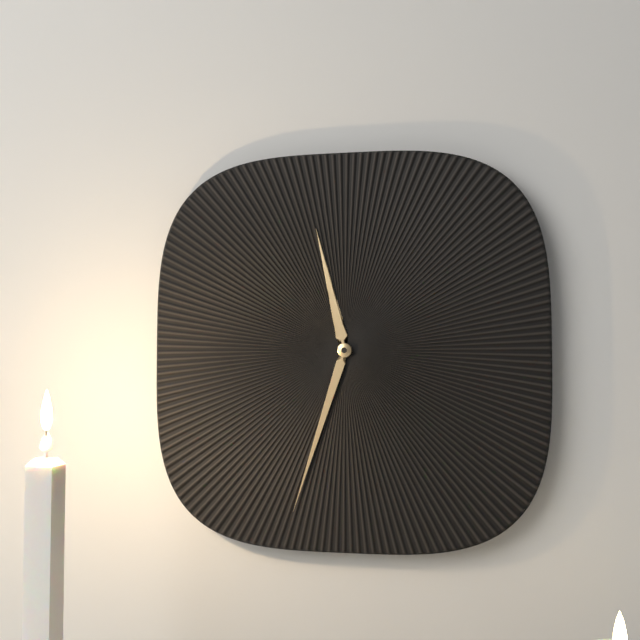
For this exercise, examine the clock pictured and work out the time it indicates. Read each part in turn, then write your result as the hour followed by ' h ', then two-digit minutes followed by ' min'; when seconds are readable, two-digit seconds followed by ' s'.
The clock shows 11 h 33 min
